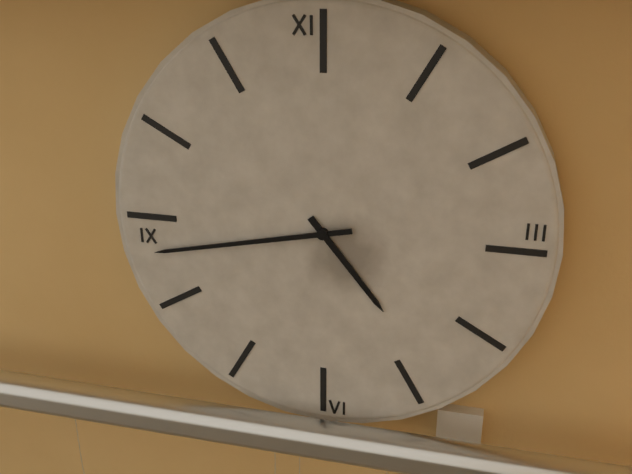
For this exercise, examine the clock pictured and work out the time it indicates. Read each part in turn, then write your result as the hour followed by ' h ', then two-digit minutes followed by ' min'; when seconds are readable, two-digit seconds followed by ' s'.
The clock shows 4 h 43 min
